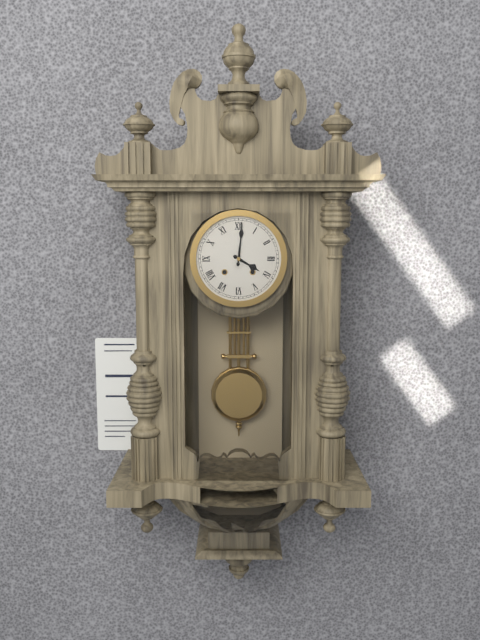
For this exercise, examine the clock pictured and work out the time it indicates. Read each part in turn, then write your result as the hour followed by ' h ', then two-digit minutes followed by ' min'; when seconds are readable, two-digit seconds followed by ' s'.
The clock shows 4 h 01 min
